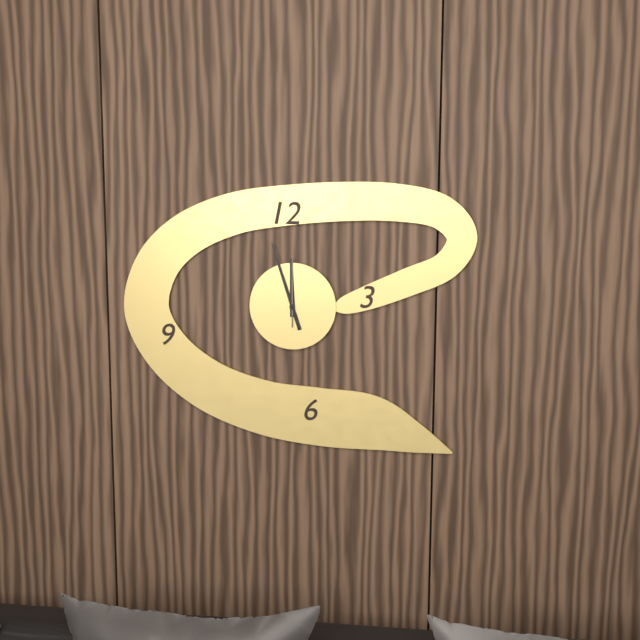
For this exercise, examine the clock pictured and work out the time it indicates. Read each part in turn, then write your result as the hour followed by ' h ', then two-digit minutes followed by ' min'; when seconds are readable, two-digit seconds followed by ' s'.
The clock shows 11 h 57 min 00 s
